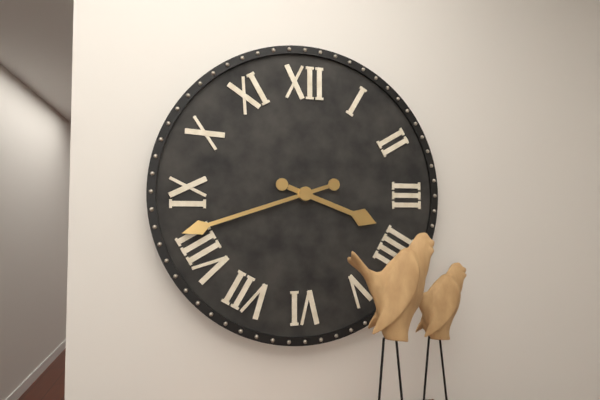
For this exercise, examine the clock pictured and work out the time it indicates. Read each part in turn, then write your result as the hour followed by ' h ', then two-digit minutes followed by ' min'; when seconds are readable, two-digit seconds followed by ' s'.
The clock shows 3 h 42 min
